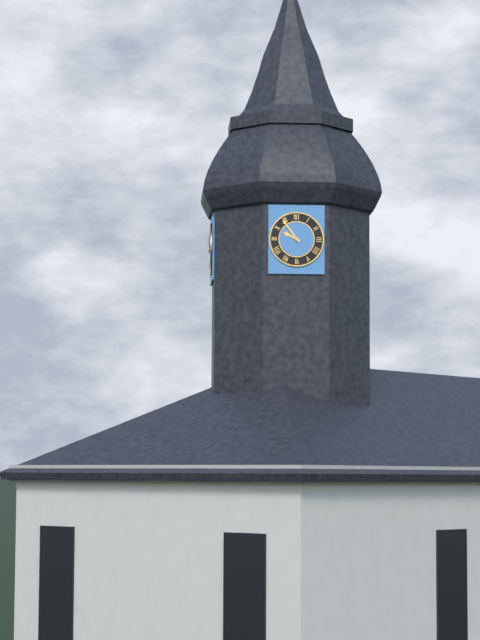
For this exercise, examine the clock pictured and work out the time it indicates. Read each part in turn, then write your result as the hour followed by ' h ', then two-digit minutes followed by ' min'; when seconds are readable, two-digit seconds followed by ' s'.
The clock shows 9 h 54 min
